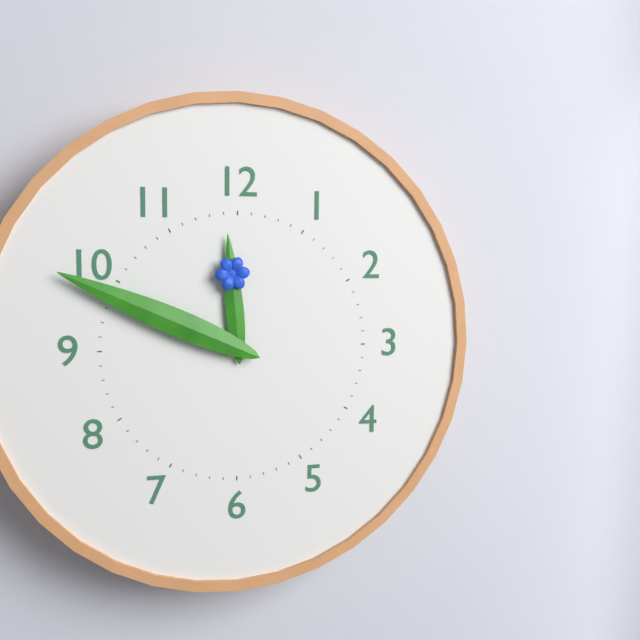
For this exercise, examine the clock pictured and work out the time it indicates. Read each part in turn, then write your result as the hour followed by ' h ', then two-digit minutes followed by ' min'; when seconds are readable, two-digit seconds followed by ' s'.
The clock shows 11 h 49 min
